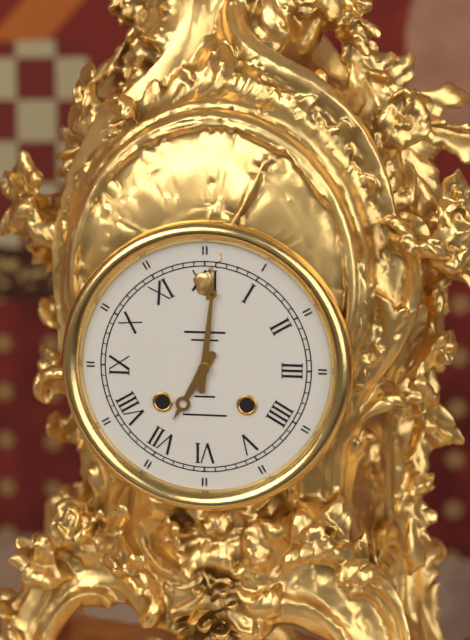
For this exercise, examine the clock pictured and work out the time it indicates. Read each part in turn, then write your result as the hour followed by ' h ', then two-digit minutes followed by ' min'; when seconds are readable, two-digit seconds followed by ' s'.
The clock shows 7 h 01 min
